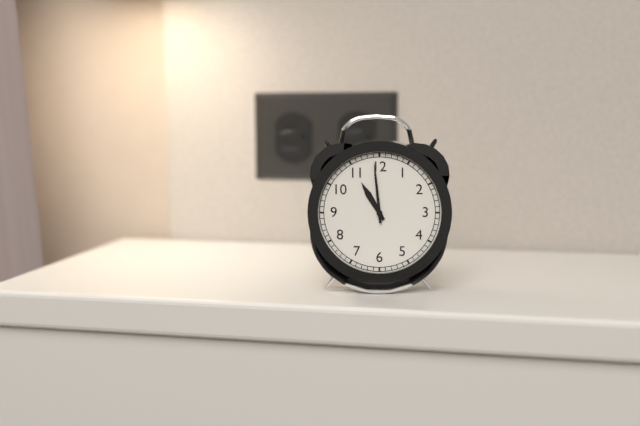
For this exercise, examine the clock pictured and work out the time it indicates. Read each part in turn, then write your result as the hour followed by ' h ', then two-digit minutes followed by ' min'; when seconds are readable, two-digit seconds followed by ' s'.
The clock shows 10 h 59 min
